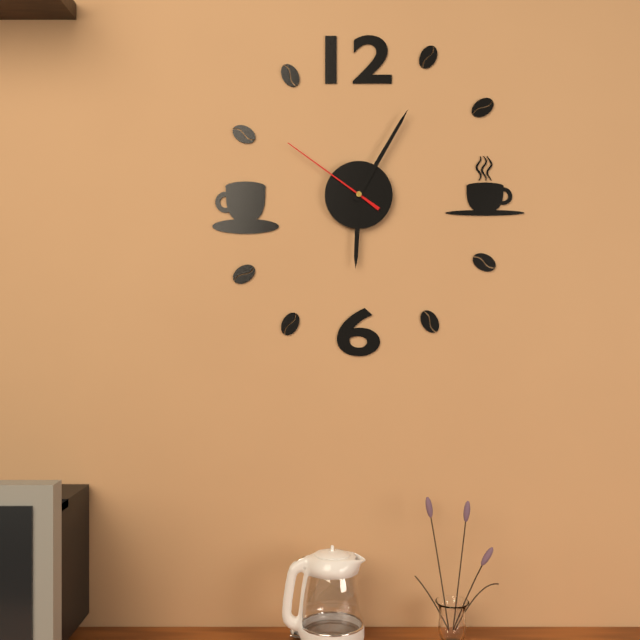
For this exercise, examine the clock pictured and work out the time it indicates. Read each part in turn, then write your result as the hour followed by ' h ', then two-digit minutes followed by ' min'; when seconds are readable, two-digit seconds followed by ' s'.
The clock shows 6 h 05 min 51 s
